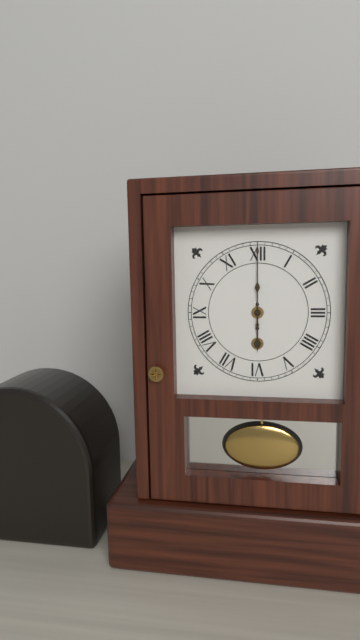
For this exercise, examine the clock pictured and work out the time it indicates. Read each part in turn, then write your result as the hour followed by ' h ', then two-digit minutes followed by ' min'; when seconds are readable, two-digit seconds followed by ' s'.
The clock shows 6 h 00 min
